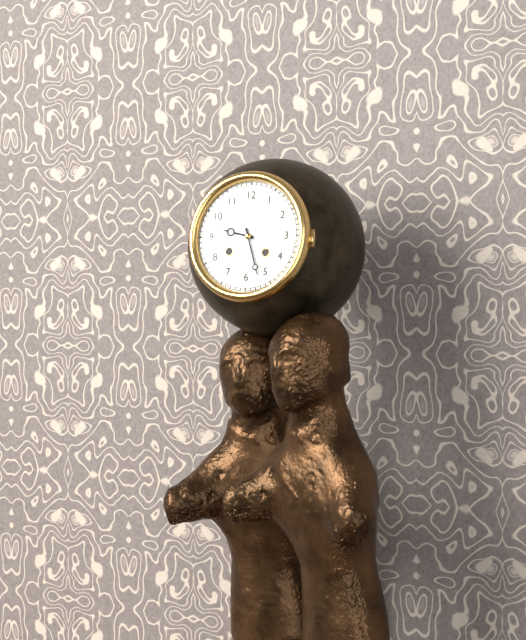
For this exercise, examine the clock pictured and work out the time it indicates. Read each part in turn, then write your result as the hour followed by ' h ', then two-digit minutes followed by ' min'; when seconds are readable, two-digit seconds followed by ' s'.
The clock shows 9 h 27 min
